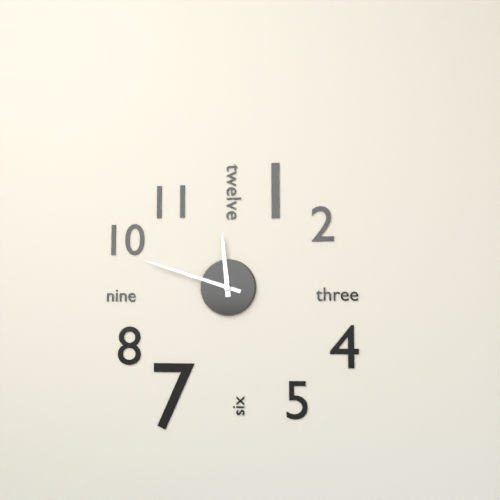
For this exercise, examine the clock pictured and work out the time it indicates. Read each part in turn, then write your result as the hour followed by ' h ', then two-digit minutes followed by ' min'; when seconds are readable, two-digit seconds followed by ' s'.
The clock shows 11 h 48 min
